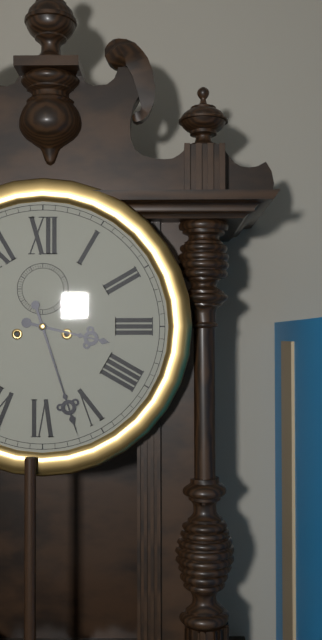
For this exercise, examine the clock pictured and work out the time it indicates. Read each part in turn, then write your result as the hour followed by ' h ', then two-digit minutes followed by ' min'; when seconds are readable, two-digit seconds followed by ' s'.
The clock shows 3 h 27 min
